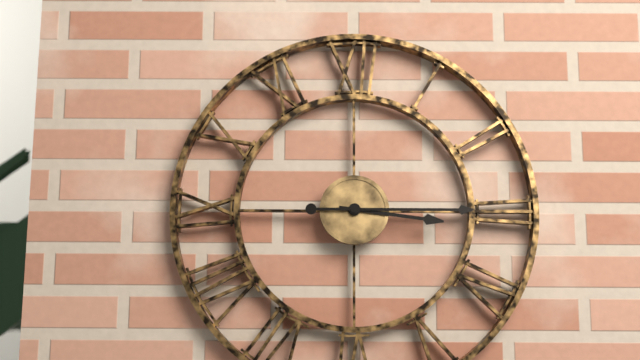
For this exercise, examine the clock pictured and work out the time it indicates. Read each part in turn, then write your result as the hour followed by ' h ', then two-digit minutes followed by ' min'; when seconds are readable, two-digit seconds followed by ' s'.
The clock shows 3 h 15 min
